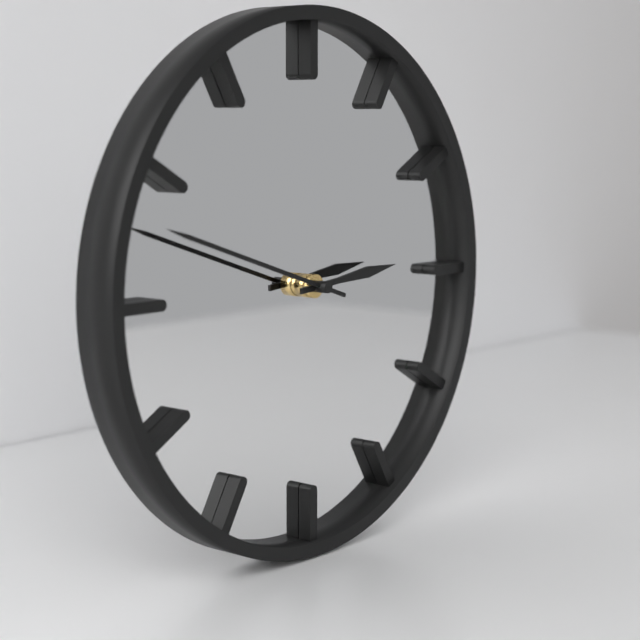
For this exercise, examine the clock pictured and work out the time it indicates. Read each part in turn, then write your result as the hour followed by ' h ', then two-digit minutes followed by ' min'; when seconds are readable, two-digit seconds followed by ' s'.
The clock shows 2 h 48 min
